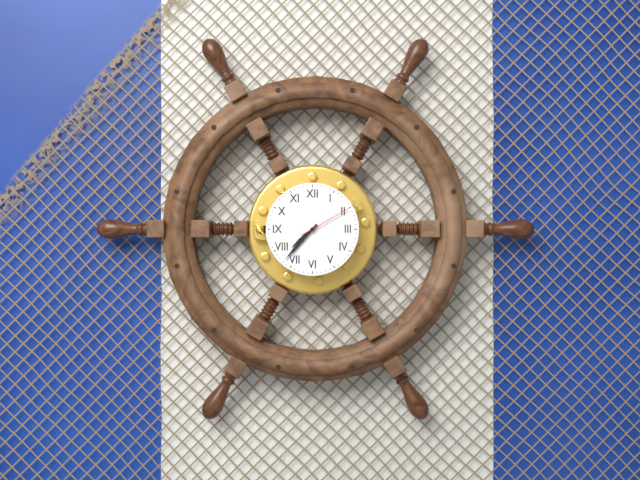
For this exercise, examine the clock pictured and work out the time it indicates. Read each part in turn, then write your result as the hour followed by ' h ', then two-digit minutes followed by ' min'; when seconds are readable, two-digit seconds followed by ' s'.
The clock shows 7 h 37 min 10 s
